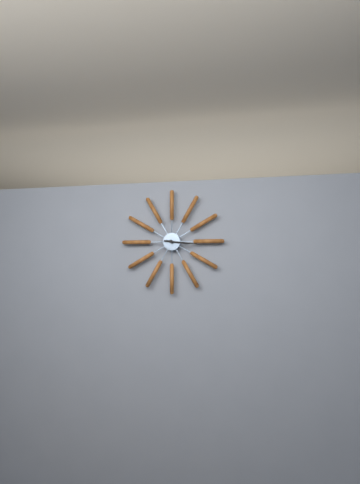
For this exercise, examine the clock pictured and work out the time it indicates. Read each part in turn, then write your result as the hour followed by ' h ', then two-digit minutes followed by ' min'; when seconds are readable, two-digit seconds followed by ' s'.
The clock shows 3 h 16 min
